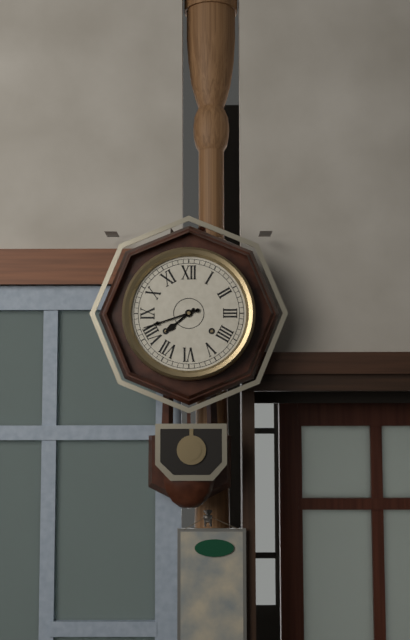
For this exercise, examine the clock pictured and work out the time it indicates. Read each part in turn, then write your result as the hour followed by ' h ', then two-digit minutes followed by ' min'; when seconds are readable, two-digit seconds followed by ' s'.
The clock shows 7 h 42 min
